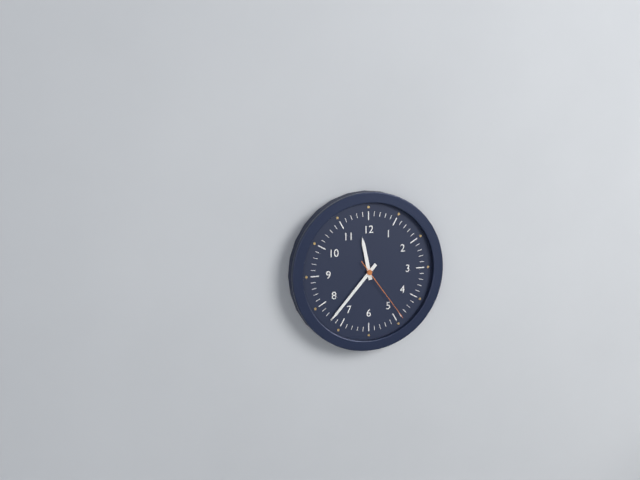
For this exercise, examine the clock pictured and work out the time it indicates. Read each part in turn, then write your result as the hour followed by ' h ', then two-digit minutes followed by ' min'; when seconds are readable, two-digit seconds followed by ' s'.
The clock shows 11 h 37 min 24 s
